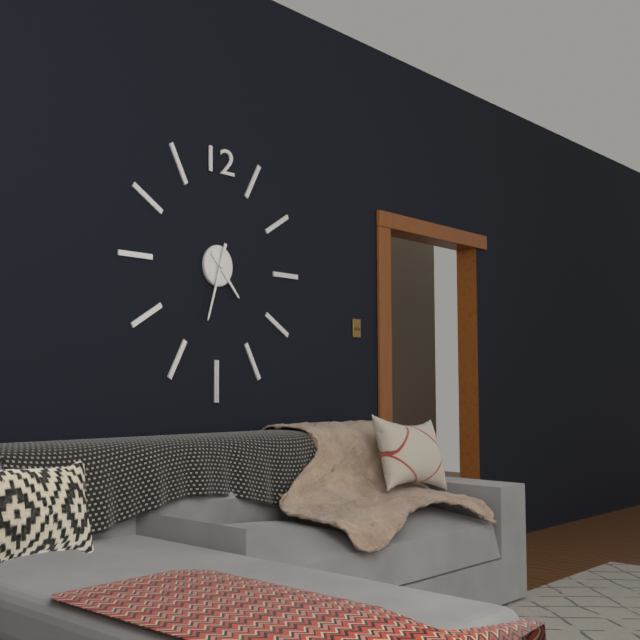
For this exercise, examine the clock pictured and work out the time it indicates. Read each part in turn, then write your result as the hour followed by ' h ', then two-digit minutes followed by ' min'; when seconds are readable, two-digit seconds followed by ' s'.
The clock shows 4 h 33 min
